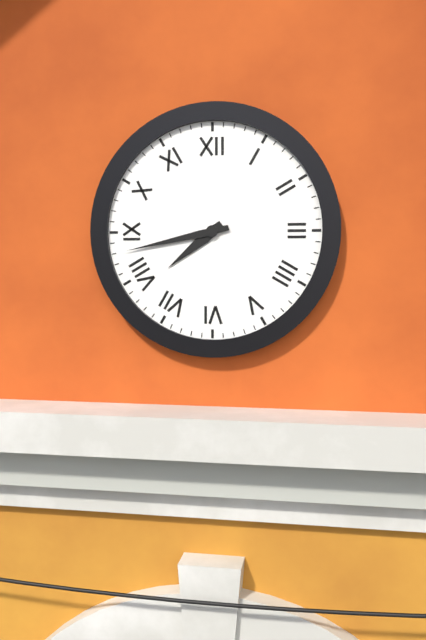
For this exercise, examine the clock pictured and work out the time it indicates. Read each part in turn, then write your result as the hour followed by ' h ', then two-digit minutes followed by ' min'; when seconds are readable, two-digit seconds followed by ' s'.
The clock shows 7 h 43 min
